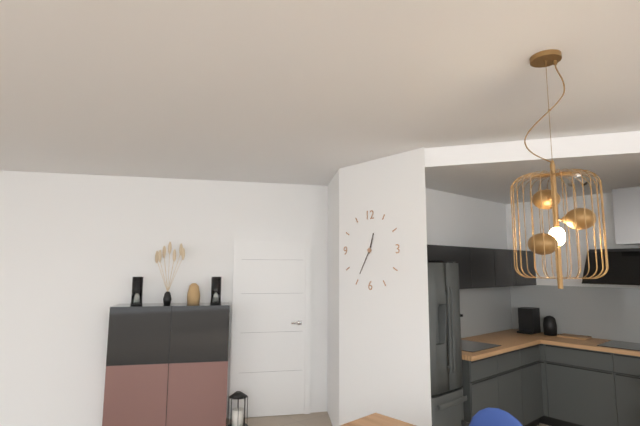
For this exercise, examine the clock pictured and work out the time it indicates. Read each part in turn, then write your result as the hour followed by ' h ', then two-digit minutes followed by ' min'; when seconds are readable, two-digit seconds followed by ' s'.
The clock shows 12 h 35 min
